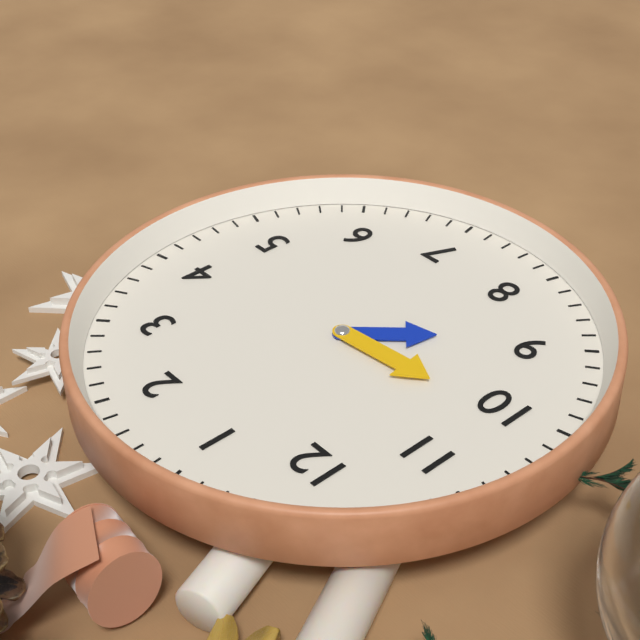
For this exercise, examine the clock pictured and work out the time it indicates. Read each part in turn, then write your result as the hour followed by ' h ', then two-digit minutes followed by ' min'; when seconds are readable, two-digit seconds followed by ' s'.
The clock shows 8 h 51 min
